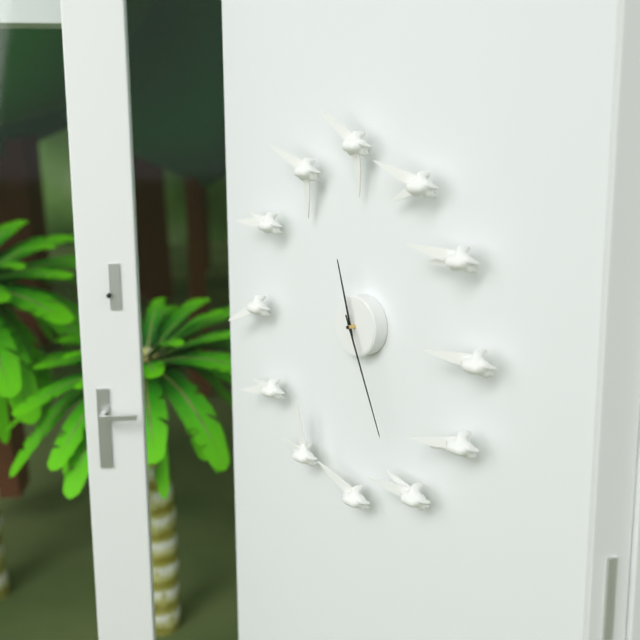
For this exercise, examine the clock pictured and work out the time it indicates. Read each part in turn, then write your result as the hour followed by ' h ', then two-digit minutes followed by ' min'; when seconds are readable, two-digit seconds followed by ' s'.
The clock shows 11 h 26 min
